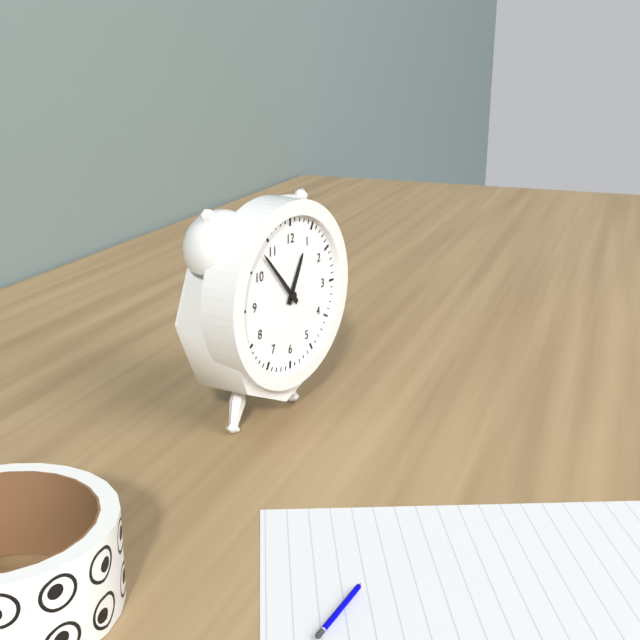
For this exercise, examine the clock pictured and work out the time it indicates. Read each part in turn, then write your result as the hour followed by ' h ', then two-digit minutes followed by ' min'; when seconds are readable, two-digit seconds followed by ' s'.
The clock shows 12 h 53 min
